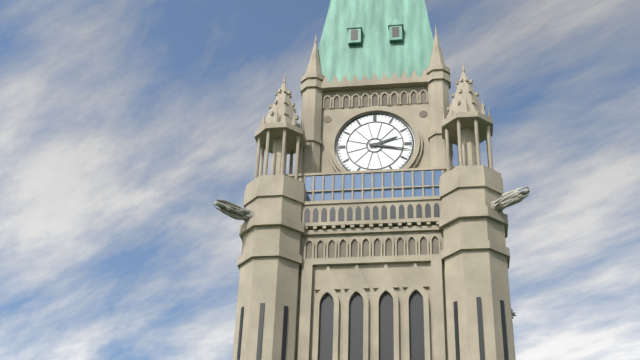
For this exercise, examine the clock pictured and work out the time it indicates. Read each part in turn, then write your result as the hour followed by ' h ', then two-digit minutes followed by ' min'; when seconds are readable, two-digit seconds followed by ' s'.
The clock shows 2 h 17 min
